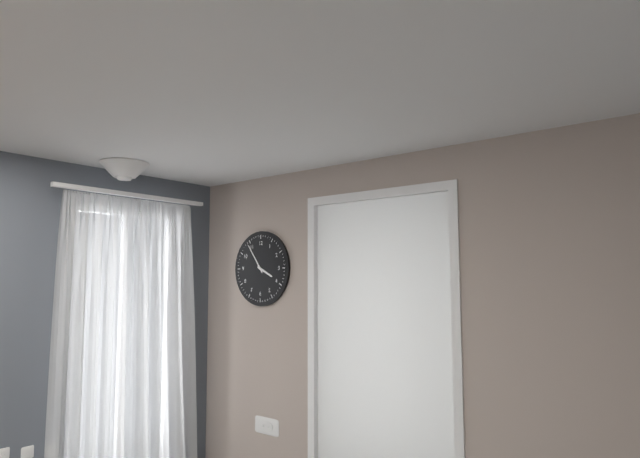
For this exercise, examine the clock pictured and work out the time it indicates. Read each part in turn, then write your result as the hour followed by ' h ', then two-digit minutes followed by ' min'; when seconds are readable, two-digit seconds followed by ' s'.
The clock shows 3 h 54 min
